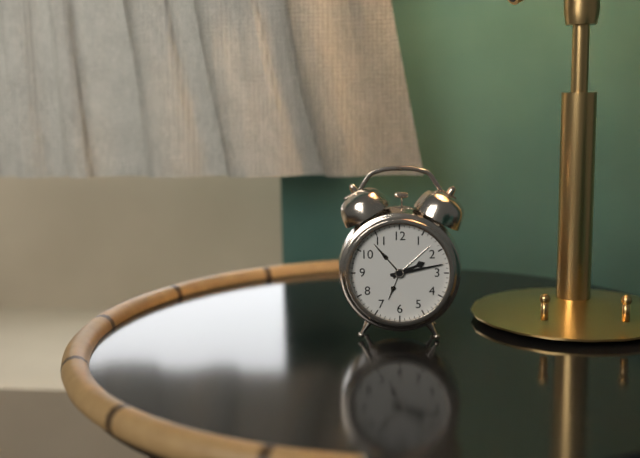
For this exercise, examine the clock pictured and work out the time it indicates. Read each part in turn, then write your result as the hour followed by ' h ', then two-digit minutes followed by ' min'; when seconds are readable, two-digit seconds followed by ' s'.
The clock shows 2 h 13 min
